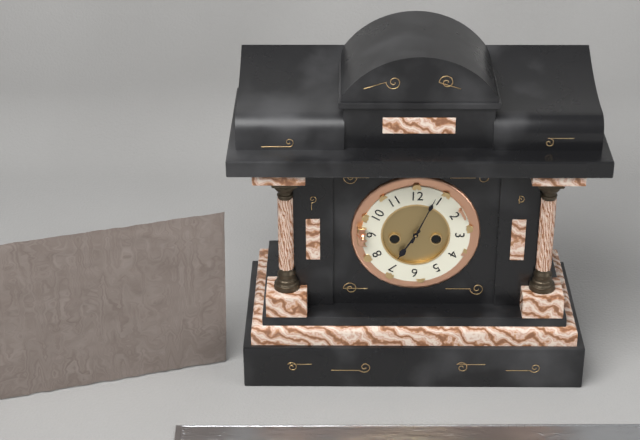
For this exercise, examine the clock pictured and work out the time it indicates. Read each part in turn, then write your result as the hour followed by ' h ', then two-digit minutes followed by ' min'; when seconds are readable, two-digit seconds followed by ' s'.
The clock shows 7 h 04 min
